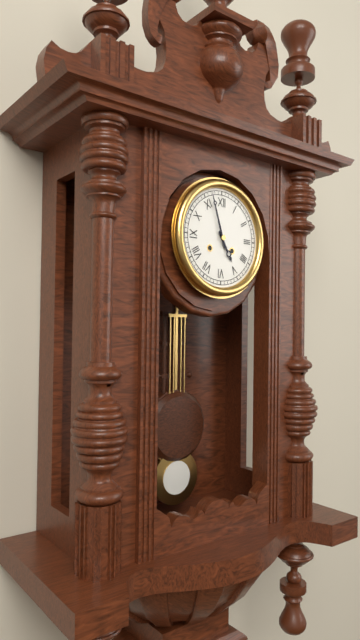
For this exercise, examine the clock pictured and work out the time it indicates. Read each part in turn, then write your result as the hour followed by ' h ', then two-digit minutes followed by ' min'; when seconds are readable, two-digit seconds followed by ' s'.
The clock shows 4 h 57 min
